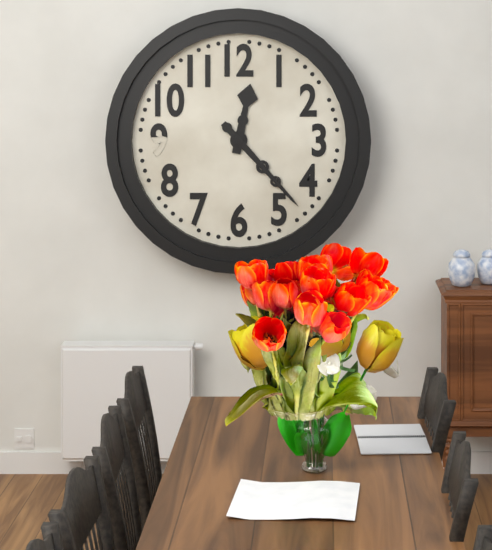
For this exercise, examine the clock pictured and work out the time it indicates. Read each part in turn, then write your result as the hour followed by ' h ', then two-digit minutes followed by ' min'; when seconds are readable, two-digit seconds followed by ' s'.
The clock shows 12 h 23 min
